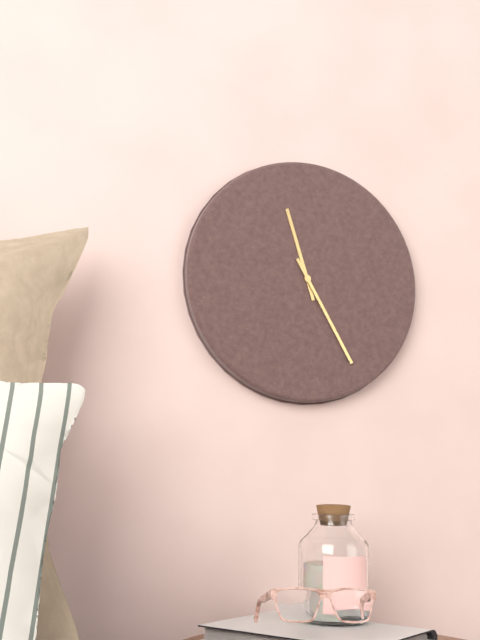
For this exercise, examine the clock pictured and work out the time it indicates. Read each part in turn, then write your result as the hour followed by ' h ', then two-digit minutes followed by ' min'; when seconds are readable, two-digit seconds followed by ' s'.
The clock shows 11 h 25 min
